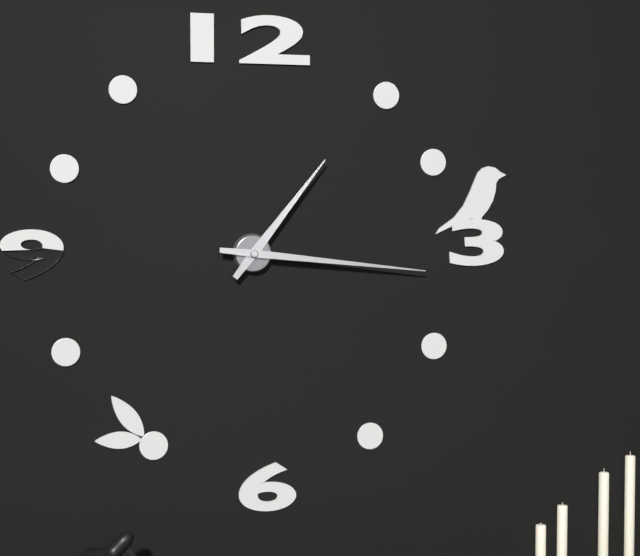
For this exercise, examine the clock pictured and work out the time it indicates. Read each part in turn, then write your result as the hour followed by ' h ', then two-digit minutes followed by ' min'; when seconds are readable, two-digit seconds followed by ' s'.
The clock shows 1 h 16 min
